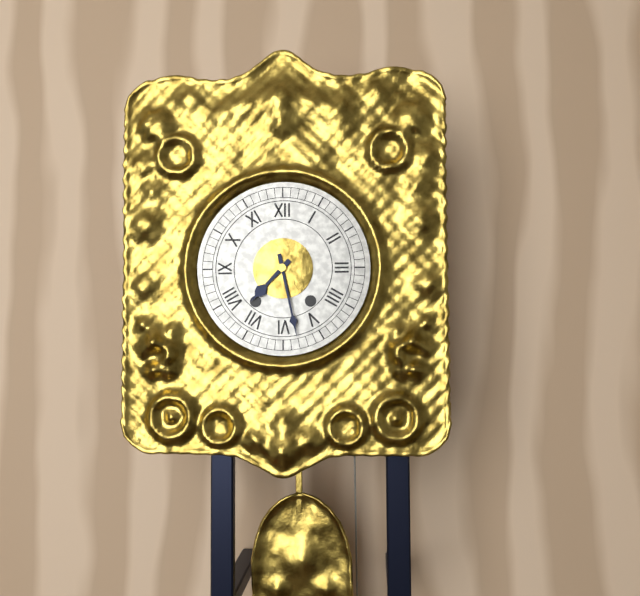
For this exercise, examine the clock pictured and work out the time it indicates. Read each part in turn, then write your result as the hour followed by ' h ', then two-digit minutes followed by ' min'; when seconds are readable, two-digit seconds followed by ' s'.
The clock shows 7 h 28 min
